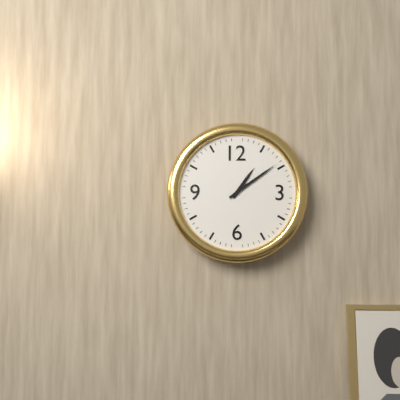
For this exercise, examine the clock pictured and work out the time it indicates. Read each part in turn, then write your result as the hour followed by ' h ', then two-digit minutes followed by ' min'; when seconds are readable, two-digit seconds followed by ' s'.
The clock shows 1 h 09 min
